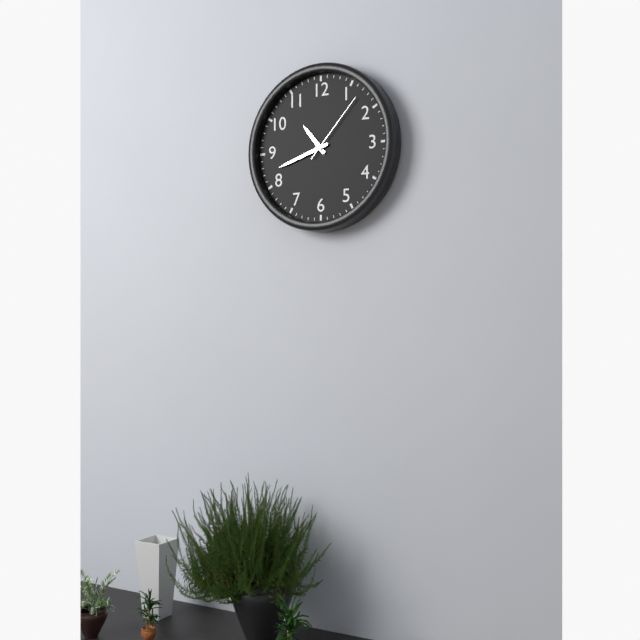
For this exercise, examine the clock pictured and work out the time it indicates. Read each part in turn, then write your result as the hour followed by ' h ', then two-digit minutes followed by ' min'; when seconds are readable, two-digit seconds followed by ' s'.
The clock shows 10 h 42 min 07 s
